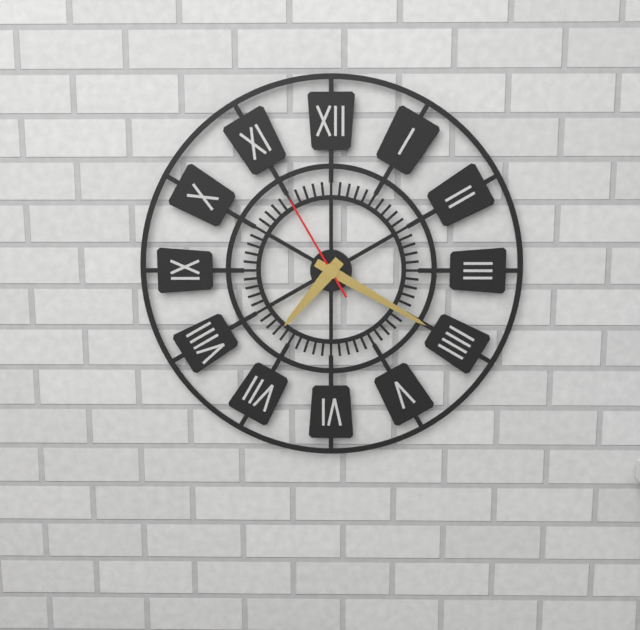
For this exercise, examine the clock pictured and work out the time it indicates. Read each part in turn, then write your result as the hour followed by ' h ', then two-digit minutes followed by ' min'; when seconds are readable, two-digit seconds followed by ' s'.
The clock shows 7 h 20 min 55 s
